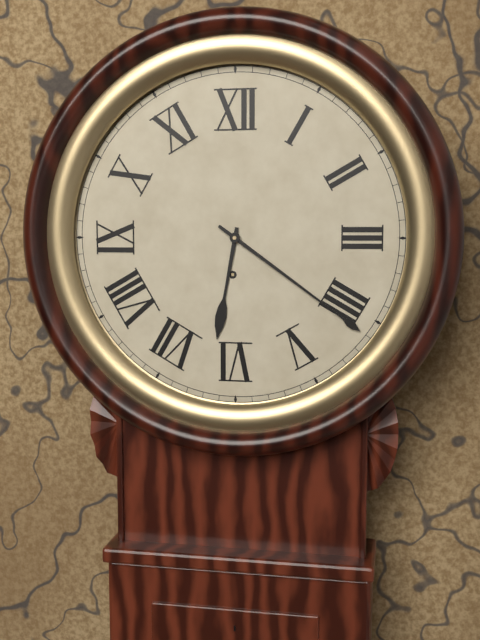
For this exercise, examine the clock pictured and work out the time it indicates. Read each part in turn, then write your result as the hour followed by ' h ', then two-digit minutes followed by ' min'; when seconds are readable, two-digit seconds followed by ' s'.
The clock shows 6 h 21 min
